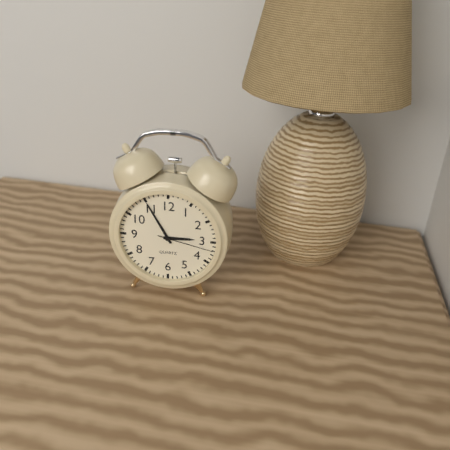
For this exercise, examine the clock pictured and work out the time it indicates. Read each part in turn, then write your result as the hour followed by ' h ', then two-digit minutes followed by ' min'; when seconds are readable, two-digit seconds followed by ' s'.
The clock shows 2 h 55 min 17 s
